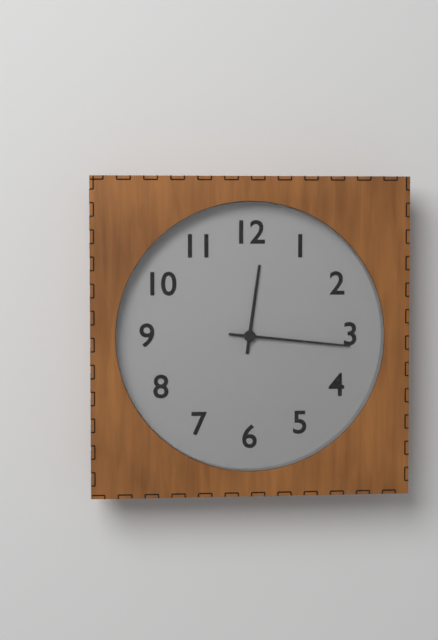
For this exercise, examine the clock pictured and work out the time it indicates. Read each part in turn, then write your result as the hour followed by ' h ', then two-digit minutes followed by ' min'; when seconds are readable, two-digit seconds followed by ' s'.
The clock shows 12 h 16 min
